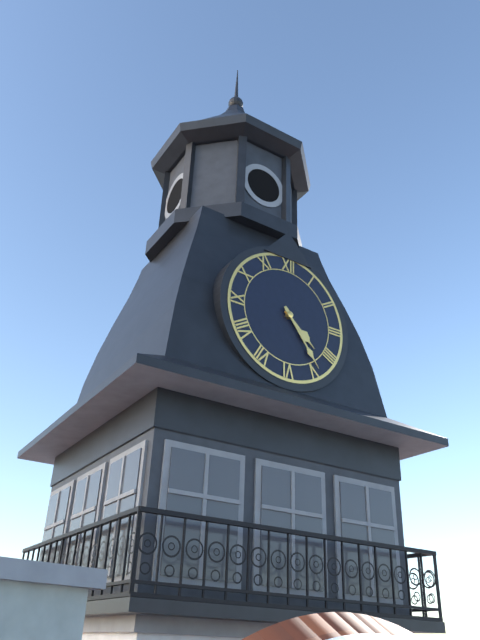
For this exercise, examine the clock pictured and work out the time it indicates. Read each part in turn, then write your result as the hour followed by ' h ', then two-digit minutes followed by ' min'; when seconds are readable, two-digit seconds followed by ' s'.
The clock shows 4 h 24 min
